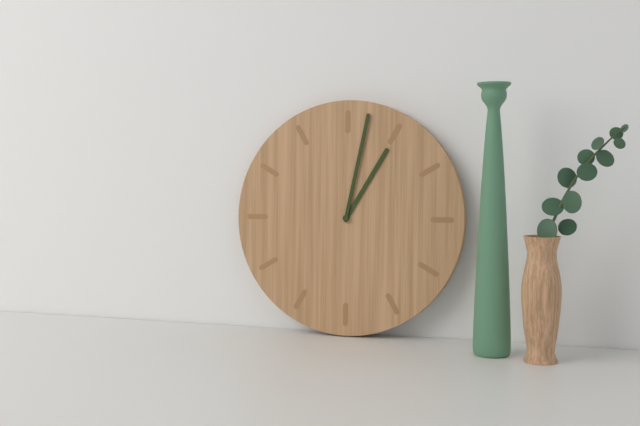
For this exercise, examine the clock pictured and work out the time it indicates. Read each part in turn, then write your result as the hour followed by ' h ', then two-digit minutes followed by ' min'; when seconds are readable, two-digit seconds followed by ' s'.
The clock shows 1 h 02 min
